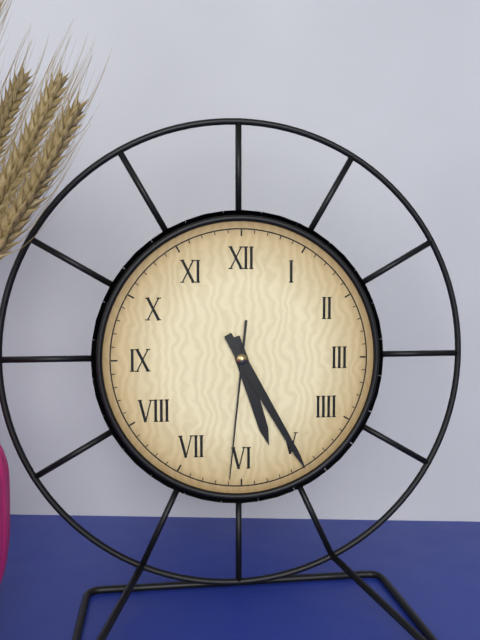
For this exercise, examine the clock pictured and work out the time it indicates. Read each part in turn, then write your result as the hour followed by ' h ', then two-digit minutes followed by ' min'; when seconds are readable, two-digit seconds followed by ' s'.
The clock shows 5 h 25 min 31 s
